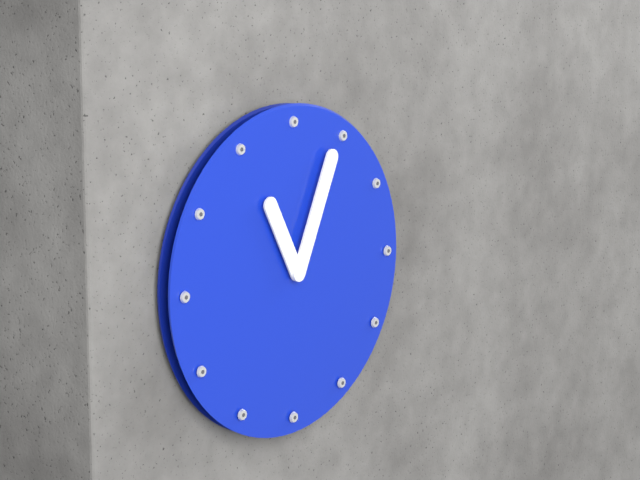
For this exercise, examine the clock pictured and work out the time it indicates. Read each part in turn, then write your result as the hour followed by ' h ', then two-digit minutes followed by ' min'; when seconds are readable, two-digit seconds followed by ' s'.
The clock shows 11 h 04 min
